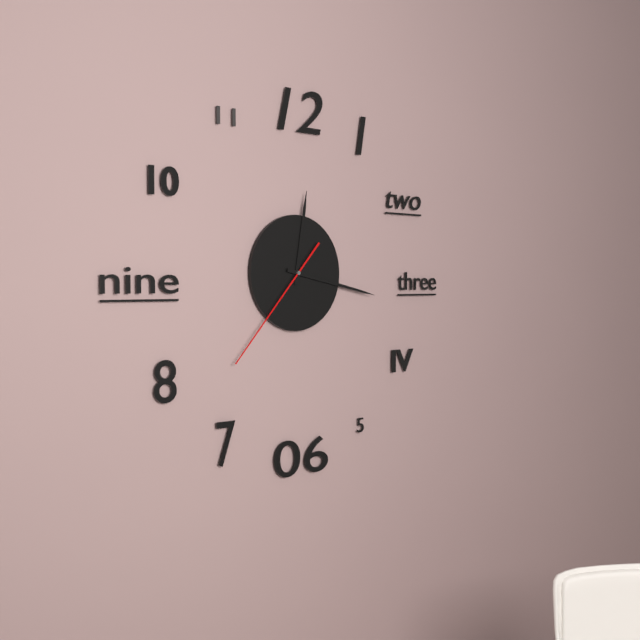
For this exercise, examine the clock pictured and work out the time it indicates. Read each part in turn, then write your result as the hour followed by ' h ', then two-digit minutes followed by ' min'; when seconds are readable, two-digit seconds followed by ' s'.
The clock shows 12 h 17 min 37 s
